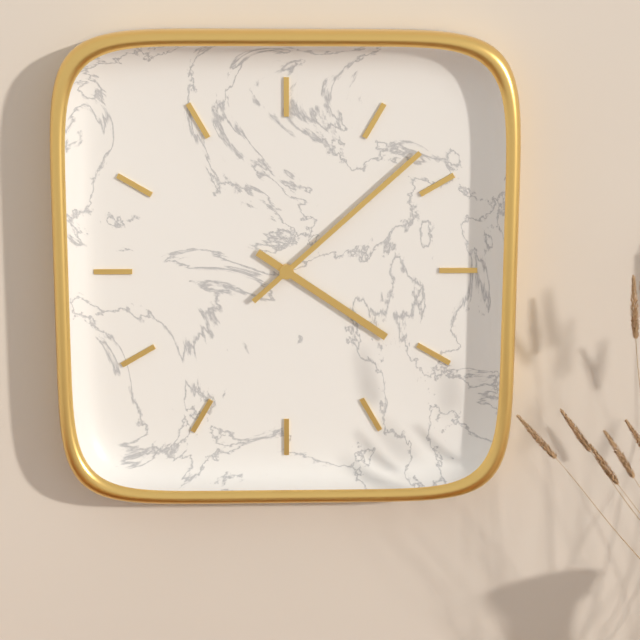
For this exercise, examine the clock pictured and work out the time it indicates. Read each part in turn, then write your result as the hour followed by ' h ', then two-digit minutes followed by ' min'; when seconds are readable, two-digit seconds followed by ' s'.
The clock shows 4 h 08 min
